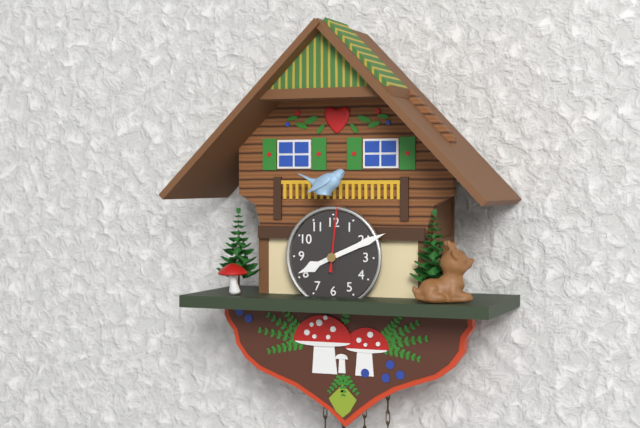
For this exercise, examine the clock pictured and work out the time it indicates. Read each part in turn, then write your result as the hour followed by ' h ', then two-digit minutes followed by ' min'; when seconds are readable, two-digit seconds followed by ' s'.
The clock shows 8 h 11 min 01 s
